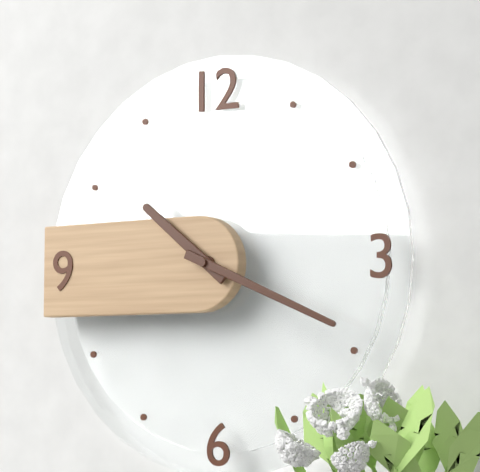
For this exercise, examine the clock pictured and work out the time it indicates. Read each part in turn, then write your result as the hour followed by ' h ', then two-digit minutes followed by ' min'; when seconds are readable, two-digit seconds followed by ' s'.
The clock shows 10 h 19 min
